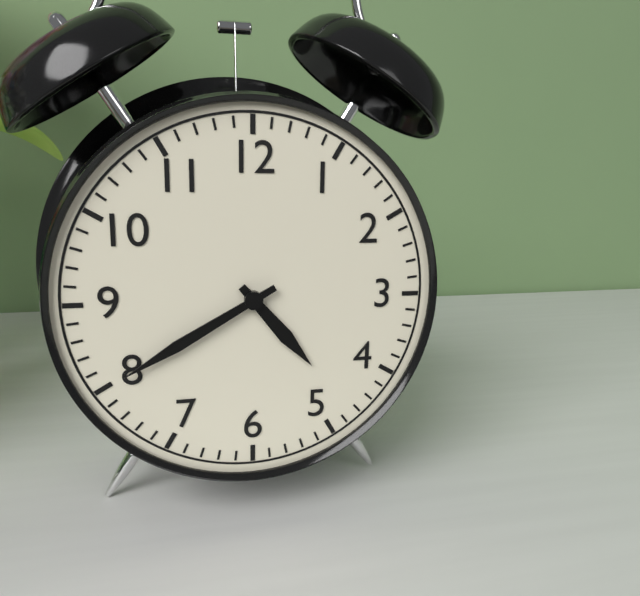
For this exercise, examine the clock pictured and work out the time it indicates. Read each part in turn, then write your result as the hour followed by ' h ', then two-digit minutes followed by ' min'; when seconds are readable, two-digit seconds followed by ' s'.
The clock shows 4 h 40 min
